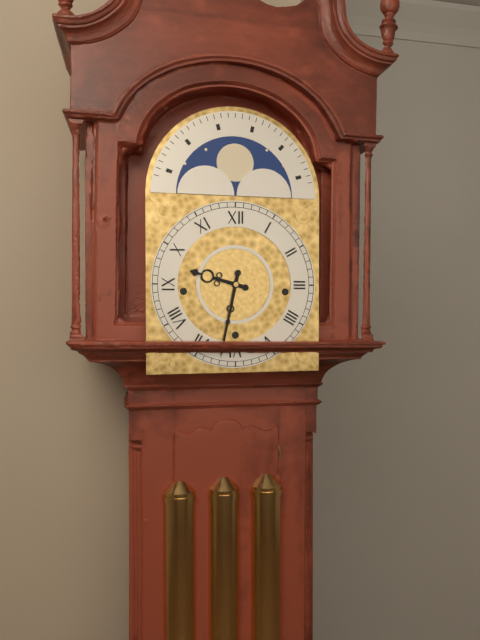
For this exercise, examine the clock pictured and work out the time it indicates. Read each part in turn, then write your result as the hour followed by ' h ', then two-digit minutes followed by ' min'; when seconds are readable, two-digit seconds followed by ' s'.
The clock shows 9 h 32 min
